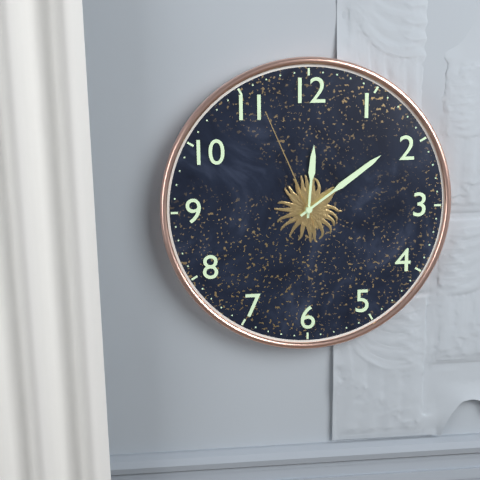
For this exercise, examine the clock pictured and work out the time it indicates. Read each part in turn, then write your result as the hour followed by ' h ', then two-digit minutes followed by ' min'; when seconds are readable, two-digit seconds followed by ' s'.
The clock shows 12 h 09 min 56 s
